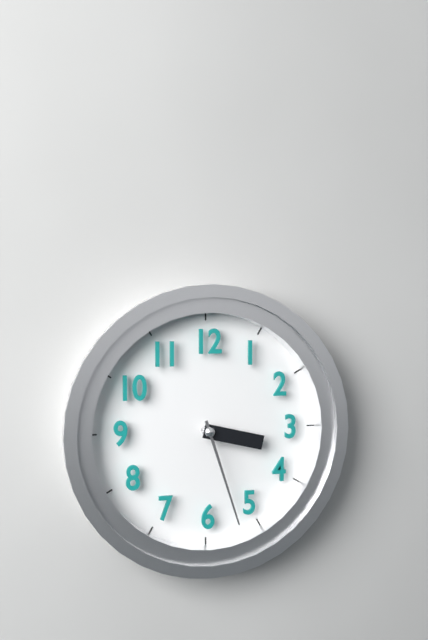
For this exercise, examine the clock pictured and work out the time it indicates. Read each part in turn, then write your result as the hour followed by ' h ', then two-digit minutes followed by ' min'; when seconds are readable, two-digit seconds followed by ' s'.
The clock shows 3 h 27 min
